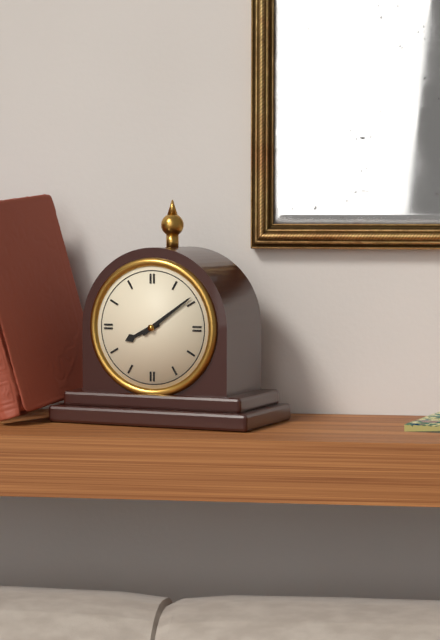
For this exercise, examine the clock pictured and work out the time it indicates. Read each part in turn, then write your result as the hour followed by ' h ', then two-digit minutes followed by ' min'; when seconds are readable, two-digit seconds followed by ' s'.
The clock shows 8 h 09 min
